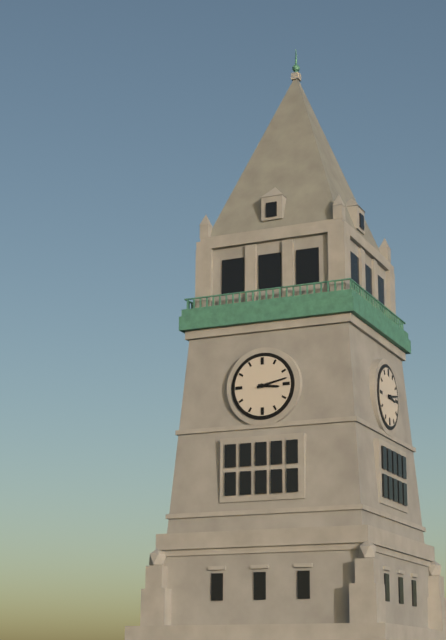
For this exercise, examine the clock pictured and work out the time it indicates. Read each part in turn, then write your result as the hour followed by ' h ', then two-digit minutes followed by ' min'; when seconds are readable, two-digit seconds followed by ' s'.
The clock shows 3 h 13 min
